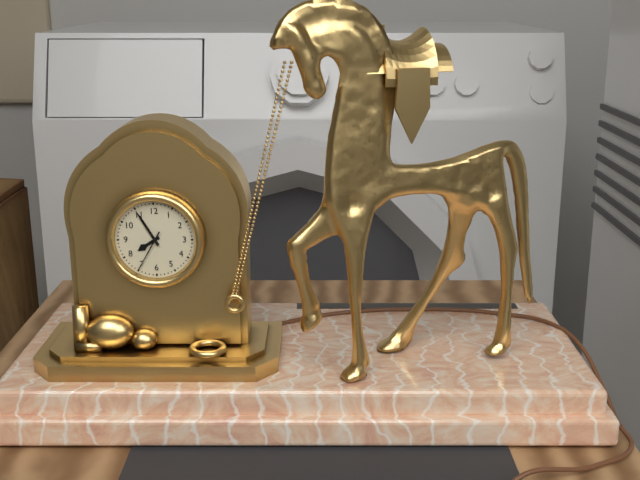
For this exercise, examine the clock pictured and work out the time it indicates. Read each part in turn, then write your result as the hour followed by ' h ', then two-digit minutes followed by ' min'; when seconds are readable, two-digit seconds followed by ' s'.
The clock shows 7 h 55 min
